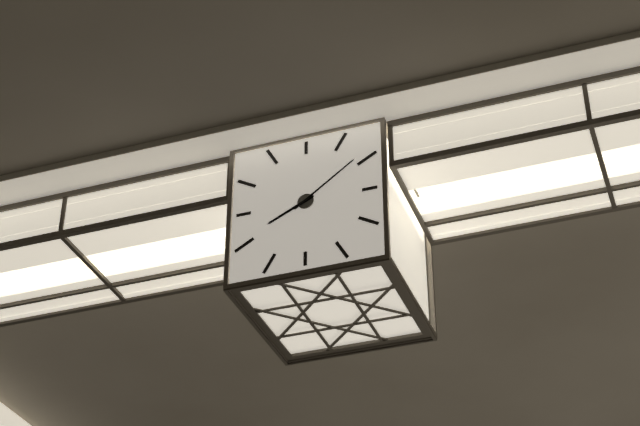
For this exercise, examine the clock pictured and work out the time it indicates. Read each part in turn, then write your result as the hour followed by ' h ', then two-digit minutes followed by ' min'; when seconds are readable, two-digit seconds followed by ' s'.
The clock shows 8 h 09 min
